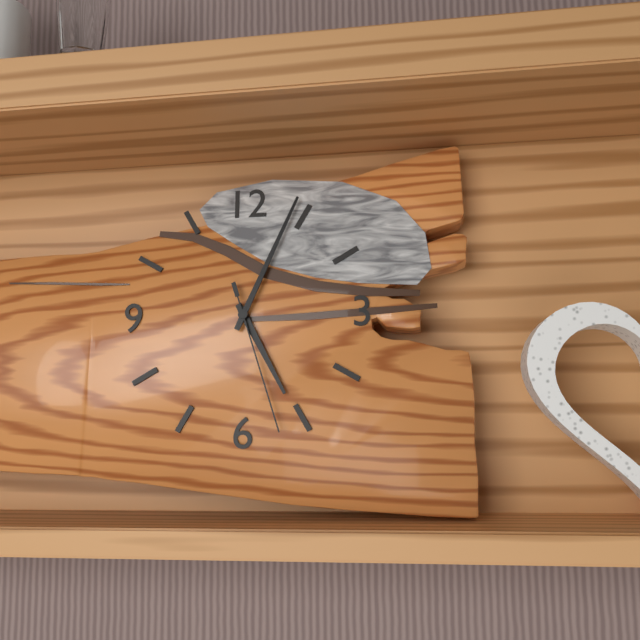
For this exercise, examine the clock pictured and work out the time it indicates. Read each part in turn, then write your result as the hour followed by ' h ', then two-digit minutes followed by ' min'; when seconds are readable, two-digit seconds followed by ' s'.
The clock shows 5 h 04 min 27 s
